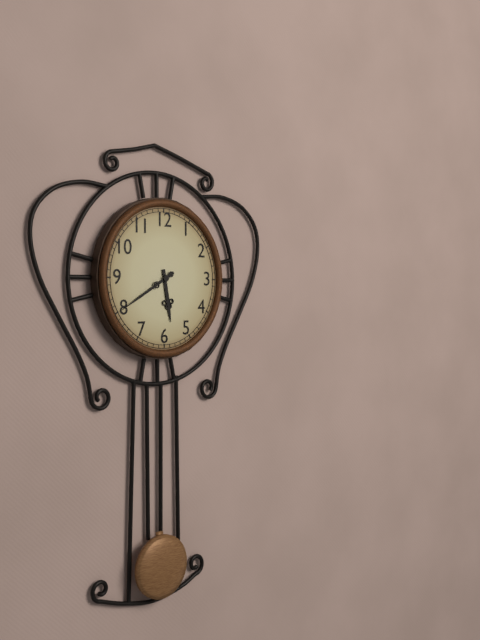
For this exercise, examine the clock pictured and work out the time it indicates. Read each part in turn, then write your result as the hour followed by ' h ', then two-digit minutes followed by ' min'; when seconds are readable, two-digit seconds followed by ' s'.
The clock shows 5 h 40 min
